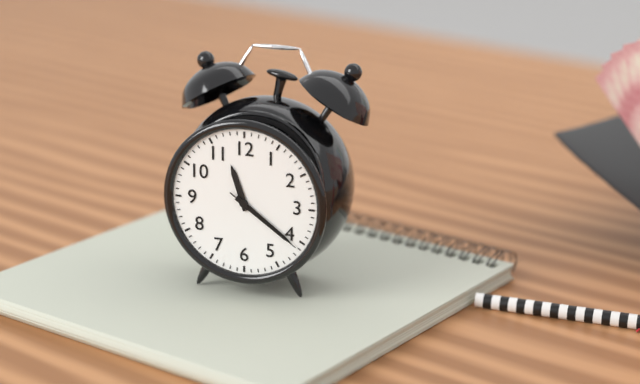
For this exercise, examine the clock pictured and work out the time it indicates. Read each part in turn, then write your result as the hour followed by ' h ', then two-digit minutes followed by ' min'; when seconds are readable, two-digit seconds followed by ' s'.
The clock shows 11 h 21 min 21 s
